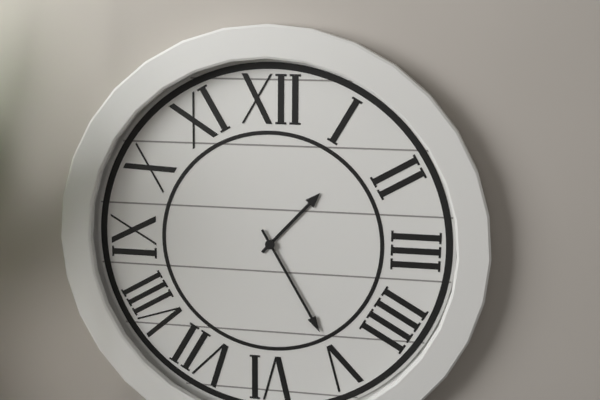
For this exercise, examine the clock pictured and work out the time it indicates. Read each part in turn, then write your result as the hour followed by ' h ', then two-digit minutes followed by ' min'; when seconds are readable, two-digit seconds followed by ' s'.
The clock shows 1 h 25 min
